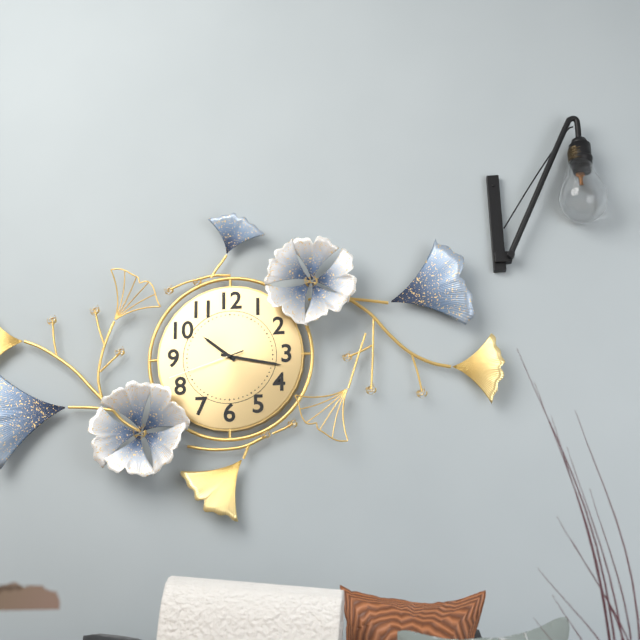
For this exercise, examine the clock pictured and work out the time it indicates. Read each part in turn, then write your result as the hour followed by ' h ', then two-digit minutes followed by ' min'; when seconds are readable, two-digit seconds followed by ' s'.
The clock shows 10 h 17 min 42 s
